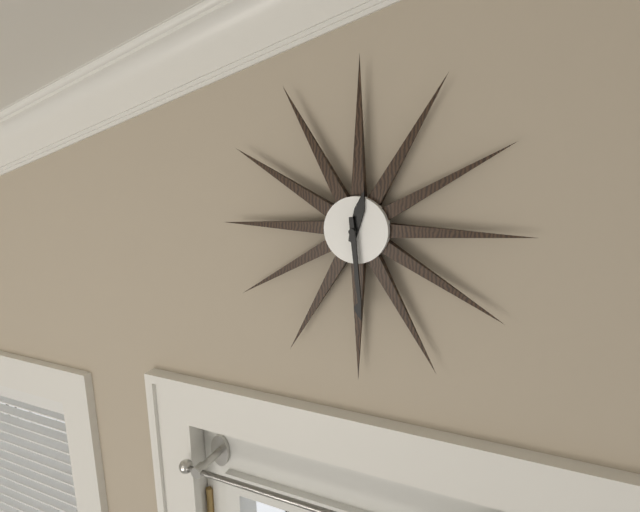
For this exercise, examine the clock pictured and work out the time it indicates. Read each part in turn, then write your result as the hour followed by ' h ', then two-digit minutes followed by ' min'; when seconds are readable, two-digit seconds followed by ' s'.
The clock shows 12 h 29 min
